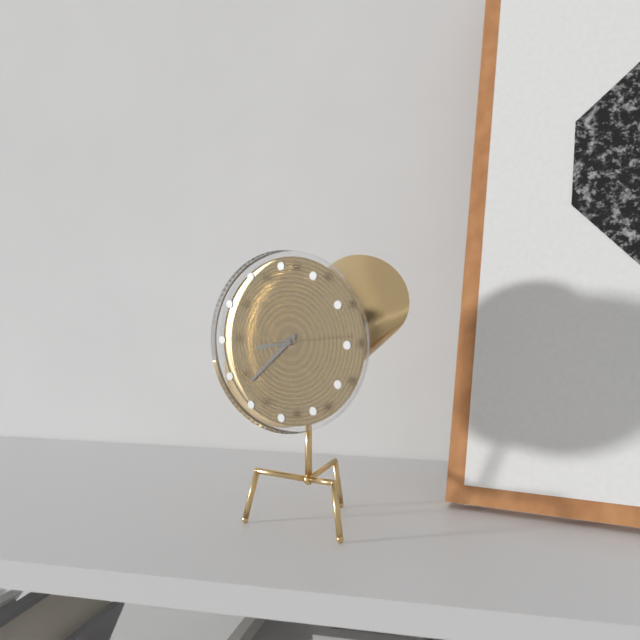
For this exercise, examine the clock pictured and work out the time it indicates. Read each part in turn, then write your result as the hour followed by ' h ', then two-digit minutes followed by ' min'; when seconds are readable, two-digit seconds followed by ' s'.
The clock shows 8 h 38 min 14 s
